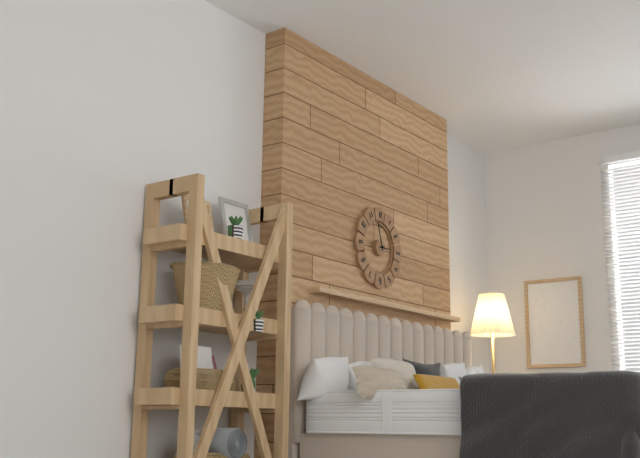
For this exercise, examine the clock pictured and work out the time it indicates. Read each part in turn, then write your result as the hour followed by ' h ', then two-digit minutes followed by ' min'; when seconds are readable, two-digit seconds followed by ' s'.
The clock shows 2 h 57 min
